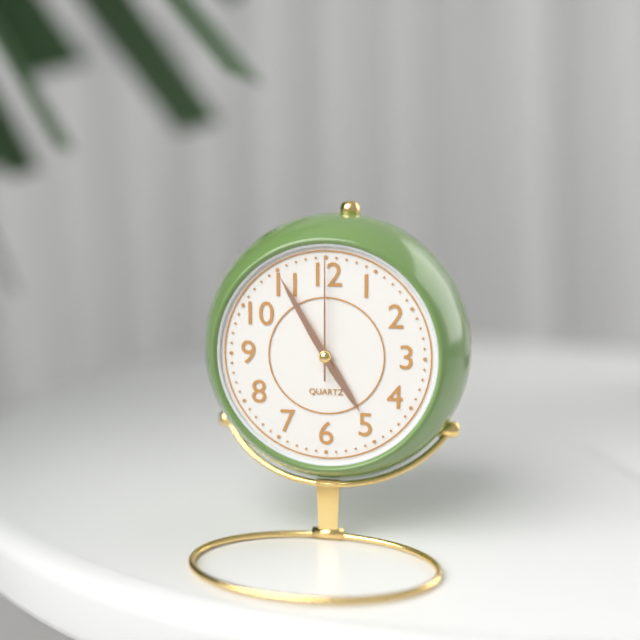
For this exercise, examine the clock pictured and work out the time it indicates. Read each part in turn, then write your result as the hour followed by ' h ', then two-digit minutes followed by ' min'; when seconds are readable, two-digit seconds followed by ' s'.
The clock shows 4 h 55 min 00 s
